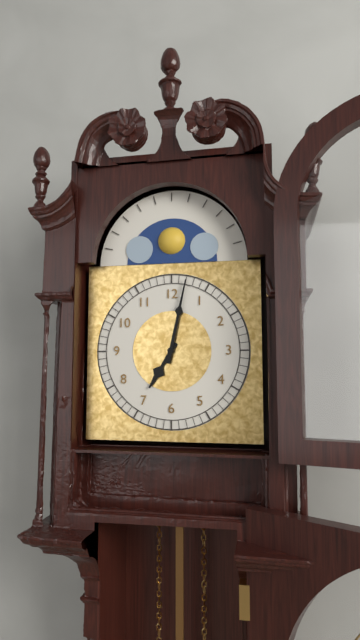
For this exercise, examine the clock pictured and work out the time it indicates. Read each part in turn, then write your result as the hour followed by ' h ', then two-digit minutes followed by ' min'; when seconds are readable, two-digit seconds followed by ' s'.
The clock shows 7 h 02 min
